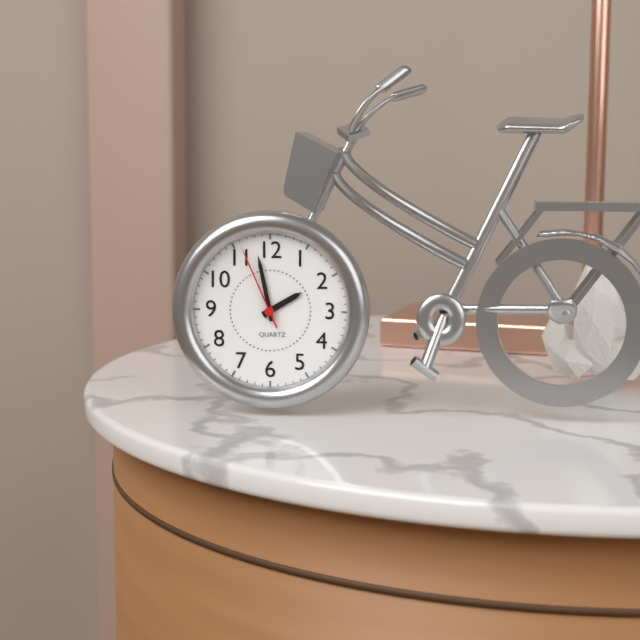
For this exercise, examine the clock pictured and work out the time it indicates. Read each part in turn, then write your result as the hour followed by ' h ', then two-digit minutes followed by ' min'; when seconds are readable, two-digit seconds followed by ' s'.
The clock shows 1 h 58 min 56 s
